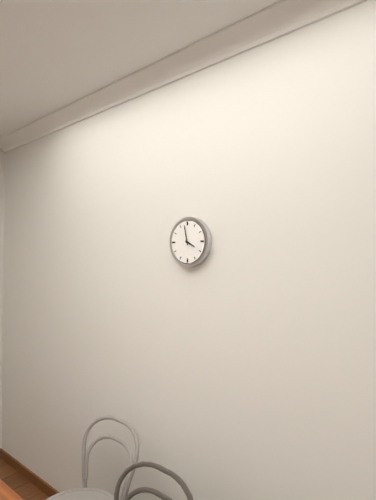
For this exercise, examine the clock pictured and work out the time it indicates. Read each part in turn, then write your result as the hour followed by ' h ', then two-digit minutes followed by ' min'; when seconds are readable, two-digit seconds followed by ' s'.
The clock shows 3 h 58 min
